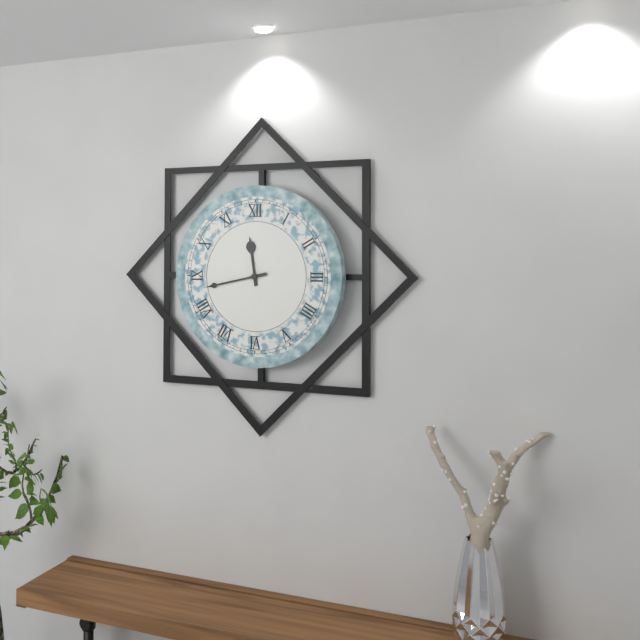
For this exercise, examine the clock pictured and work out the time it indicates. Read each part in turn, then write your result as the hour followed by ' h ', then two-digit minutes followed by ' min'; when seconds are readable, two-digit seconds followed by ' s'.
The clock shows 11 h 43 min
